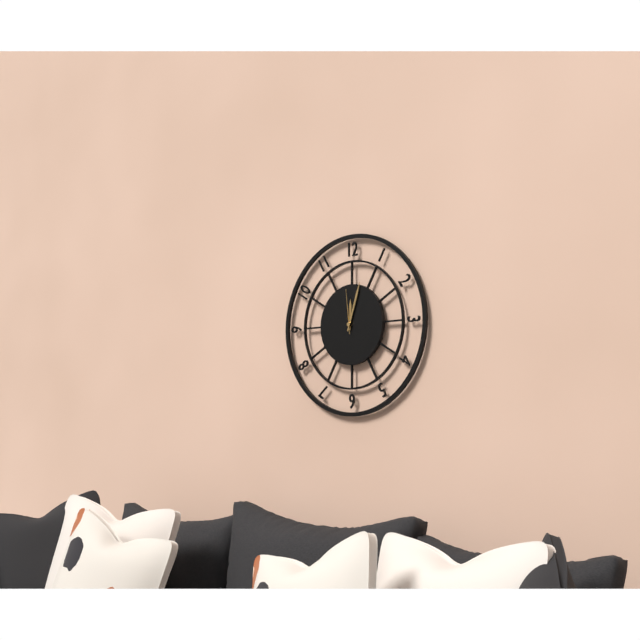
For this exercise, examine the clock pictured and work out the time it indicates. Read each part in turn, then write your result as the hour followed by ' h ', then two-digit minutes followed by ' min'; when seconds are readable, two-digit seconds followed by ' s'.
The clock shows 12 h 03 min
